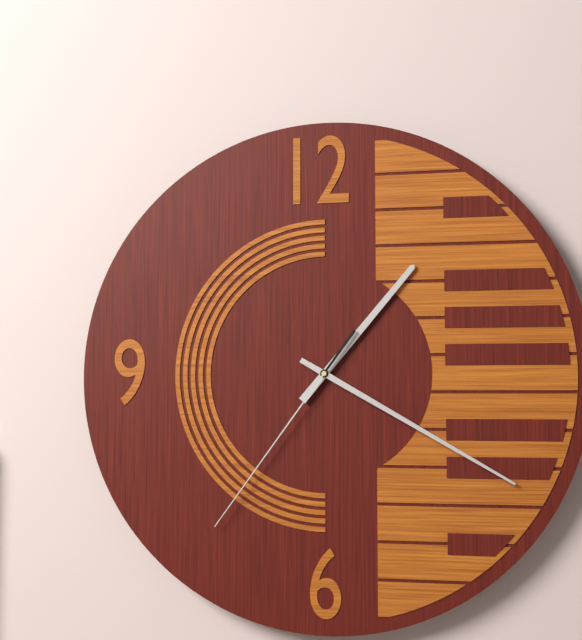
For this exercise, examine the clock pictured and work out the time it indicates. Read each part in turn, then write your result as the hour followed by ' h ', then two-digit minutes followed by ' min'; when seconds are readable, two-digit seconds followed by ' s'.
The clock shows 1 h 20 min 36 s
